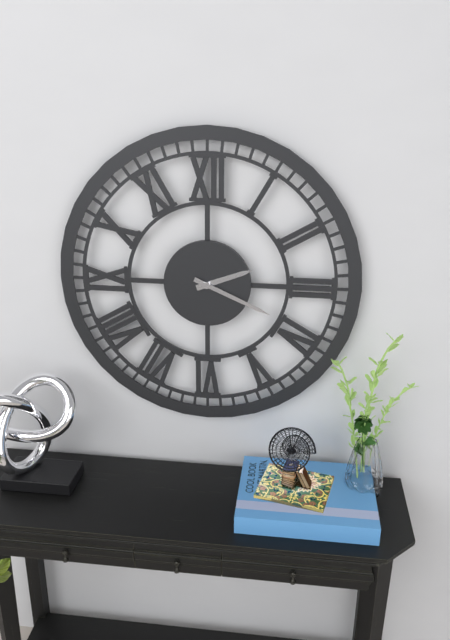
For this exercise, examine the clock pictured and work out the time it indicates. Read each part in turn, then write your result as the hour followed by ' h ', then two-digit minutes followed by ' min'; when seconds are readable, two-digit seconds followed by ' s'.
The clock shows 2 h 19 min
